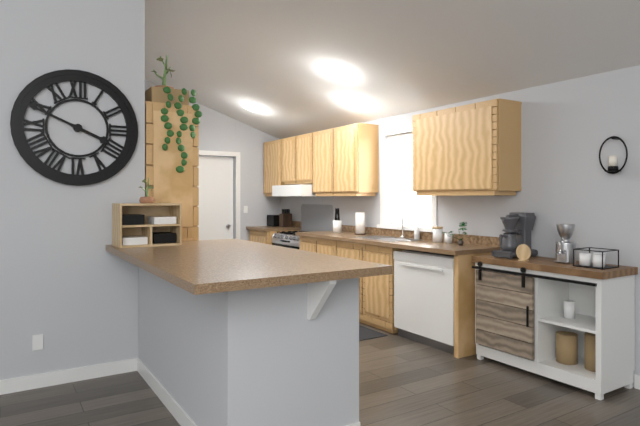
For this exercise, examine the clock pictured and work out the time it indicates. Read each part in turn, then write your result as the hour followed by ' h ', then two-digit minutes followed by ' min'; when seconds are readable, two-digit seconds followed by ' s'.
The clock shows 3 h 49 min
